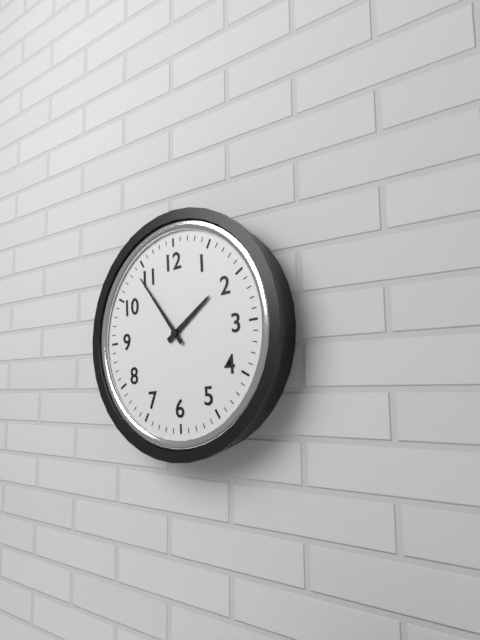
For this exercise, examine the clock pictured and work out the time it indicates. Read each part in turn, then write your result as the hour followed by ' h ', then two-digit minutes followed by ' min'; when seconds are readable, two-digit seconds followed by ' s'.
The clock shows 1 h 54 min
